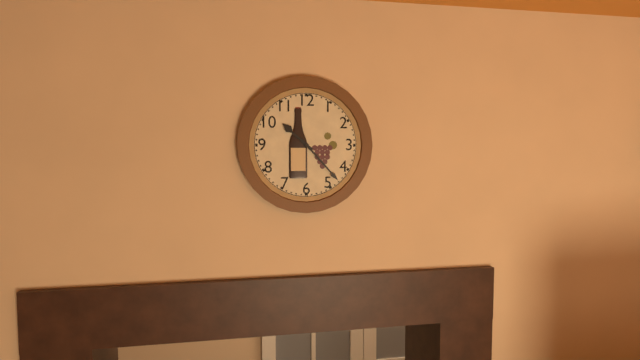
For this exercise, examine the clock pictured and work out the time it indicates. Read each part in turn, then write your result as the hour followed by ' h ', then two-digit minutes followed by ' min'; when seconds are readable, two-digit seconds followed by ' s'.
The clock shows 10 h 23 min
